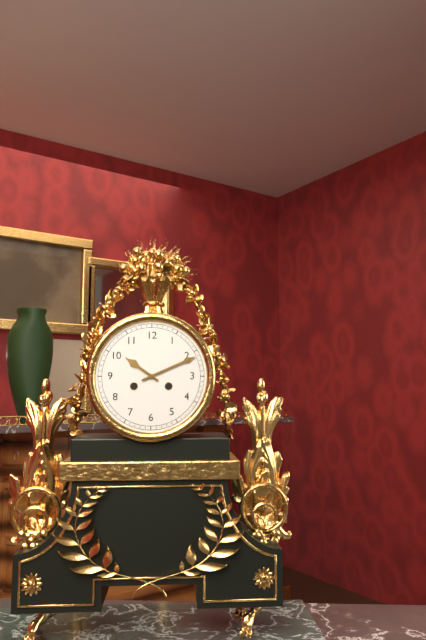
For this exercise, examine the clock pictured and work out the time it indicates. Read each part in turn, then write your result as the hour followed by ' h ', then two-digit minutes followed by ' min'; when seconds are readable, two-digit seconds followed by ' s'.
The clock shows 10 h 11 min
